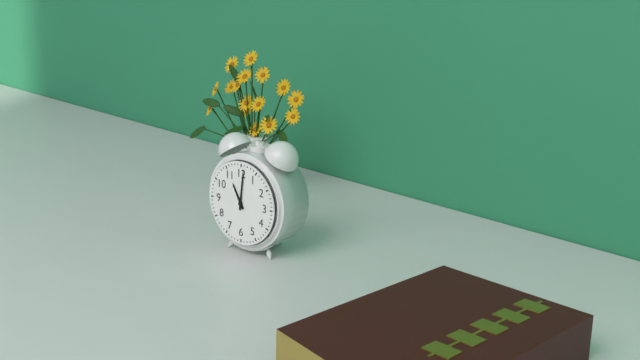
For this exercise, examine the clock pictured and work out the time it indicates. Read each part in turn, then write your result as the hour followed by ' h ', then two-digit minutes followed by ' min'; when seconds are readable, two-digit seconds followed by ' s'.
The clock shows 11 h 01 min
